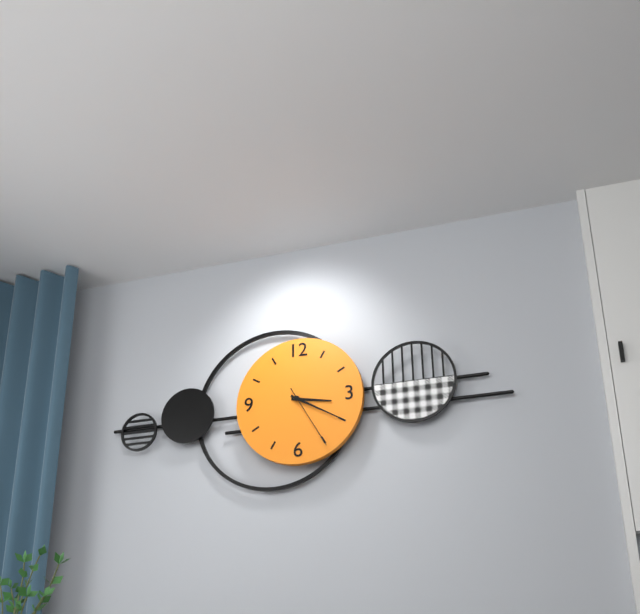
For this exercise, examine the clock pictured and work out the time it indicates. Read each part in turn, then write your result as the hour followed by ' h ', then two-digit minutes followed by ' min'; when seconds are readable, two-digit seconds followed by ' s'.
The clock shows 3 h 20 min 25 s
